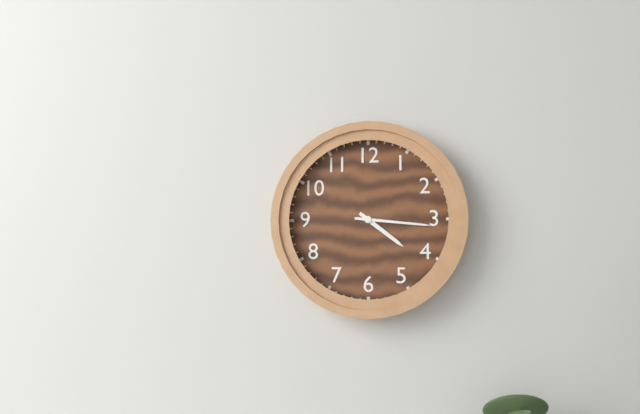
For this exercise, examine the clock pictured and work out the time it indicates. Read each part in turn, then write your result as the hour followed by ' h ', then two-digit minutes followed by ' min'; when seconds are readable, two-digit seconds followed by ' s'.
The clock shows 4 h 16 min
